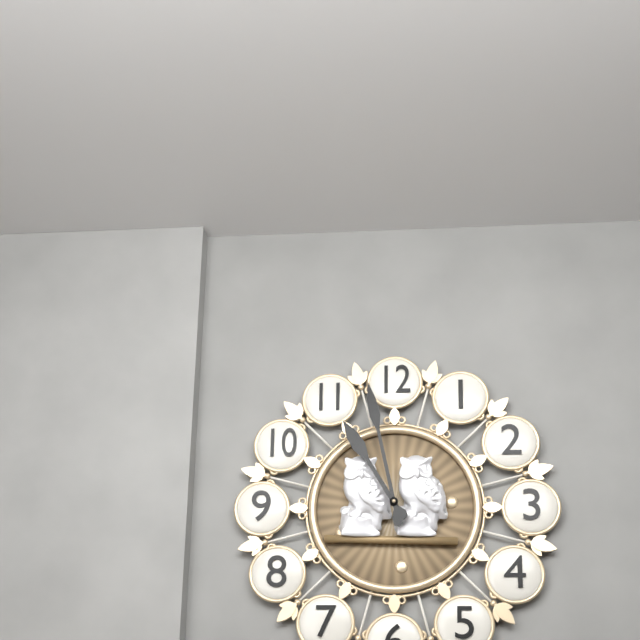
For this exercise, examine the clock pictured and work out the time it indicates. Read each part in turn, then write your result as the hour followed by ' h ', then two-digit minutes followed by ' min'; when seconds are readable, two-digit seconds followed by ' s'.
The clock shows 10 h 58 min
